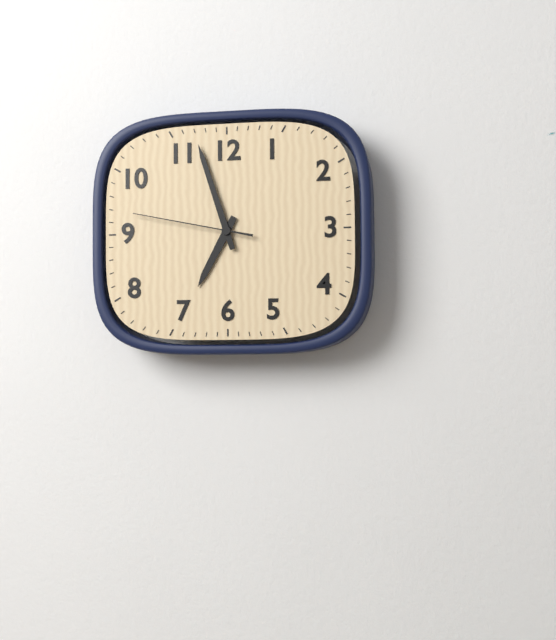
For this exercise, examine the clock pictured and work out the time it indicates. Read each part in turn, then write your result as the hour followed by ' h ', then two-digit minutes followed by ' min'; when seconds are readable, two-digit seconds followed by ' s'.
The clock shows 6 h 57 min 47 s
